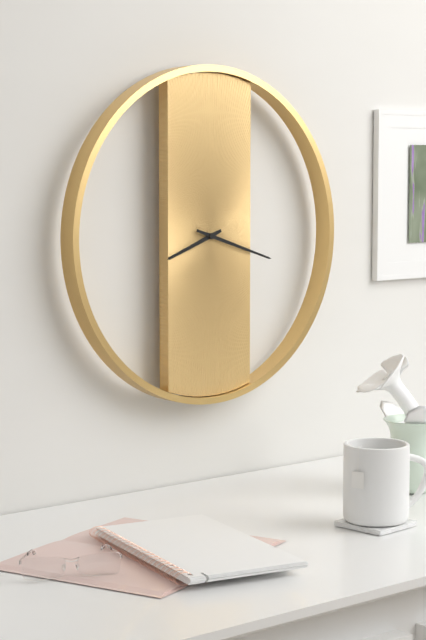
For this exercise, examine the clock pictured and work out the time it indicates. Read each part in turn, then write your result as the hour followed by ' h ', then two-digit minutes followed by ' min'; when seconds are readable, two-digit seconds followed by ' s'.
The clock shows 8 h 18 min
